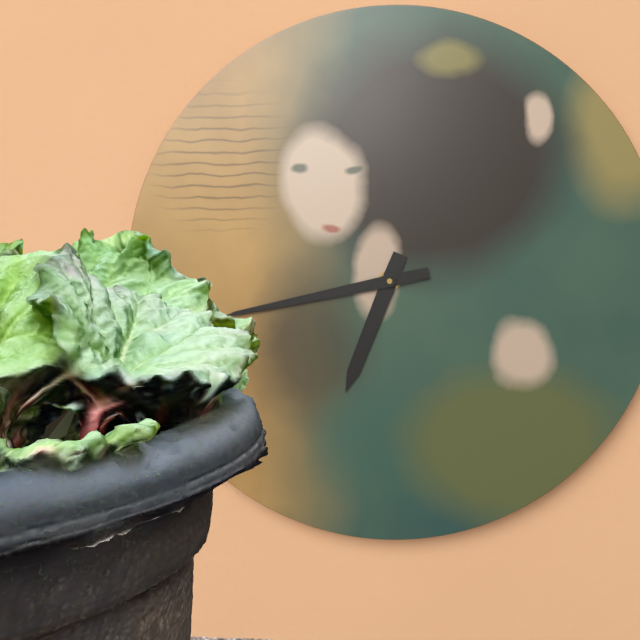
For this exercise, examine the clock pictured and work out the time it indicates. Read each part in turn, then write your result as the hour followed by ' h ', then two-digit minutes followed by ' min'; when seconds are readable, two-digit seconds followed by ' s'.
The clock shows 6 h 43 min
